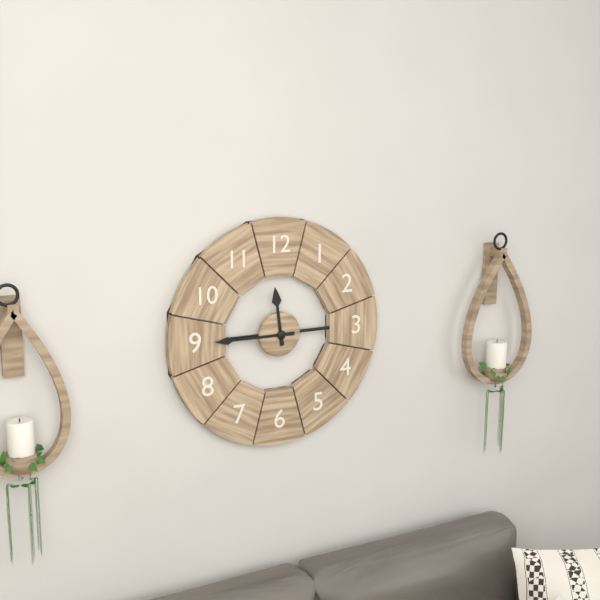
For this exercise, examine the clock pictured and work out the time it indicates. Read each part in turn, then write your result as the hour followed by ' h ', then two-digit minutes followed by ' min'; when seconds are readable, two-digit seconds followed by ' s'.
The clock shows 11 h 45 min
